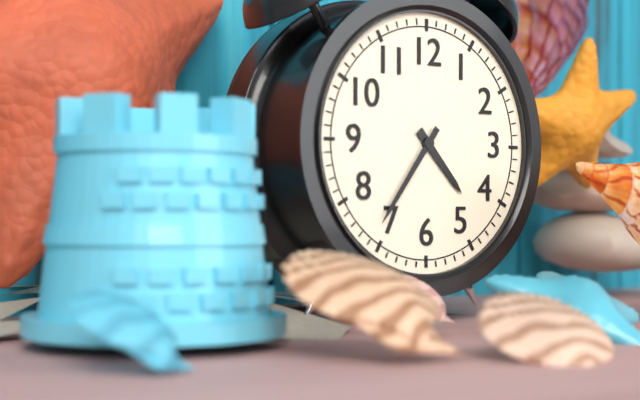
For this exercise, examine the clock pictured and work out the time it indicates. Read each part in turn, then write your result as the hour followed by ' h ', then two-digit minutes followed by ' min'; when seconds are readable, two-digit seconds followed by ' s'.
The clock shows 4 h 36 min
